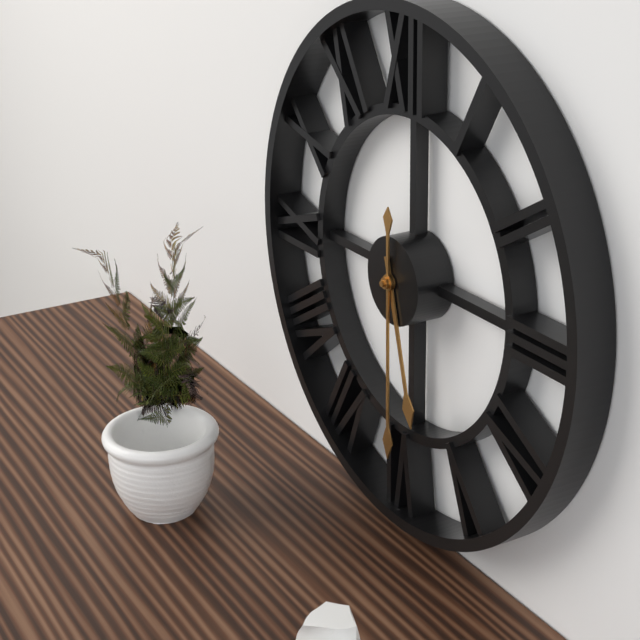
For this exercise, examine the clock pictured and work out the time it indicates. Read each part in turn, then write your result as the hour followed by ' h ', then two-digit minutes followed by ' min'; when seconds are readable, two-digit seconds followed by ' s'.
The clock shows 5 h 30 min
